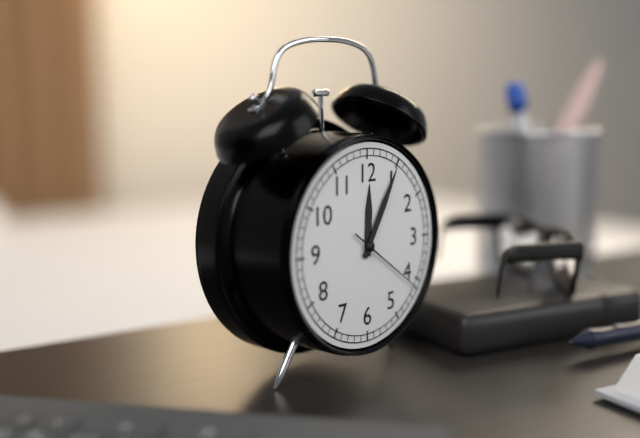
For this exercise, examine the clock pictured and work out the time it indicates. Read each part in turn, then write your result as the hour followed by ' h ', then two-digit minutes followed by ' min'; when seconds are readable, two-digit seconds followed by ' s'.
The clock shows 12 h 05 min 21 s
